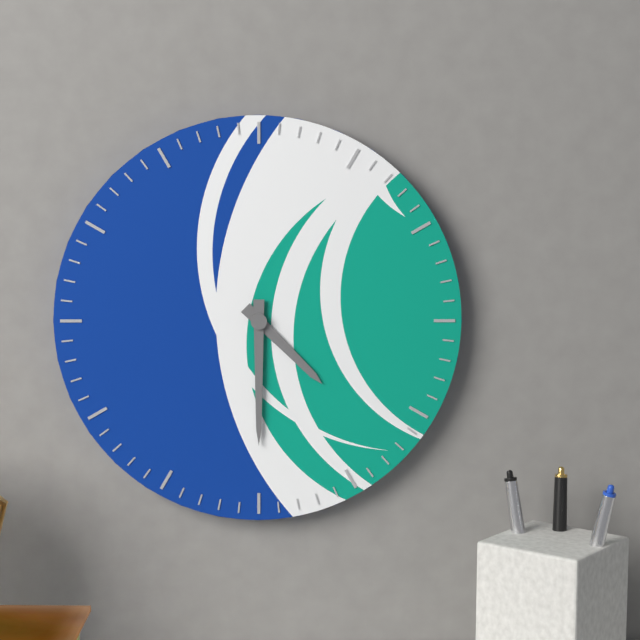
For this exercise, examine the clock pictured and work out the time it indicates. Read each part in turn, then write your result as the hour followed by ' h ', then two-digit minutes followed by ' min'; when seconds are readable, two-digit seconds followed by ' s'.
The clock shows 4 h 30 min
